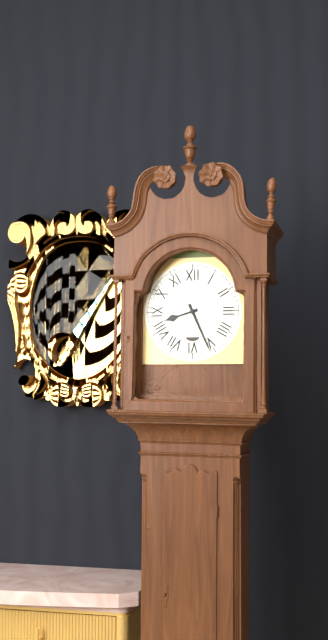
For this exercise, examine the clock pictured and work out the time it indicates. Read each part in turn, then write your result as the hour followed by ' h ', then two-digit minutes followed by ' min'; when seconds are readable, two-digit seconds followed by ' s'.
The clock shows 8 h 26 min
